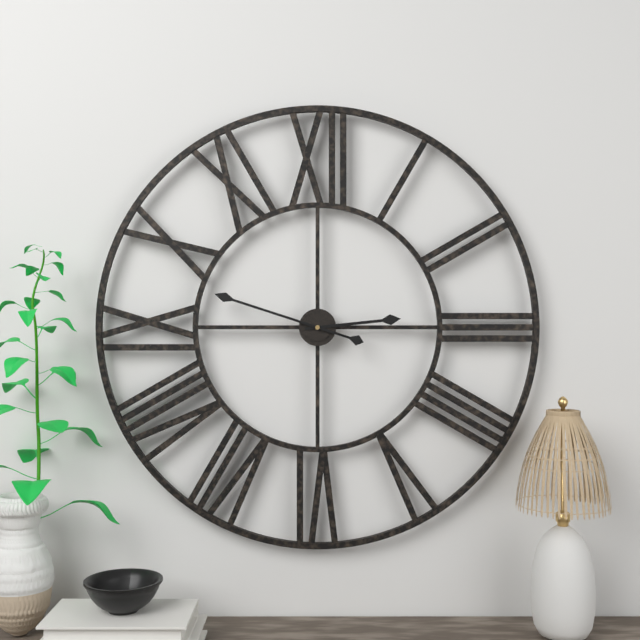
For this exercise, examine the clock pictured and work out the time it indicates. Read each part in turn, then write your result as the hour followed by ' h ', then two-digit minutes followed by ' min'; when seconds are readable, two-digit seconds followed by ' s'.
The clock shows 2 h 48 min
